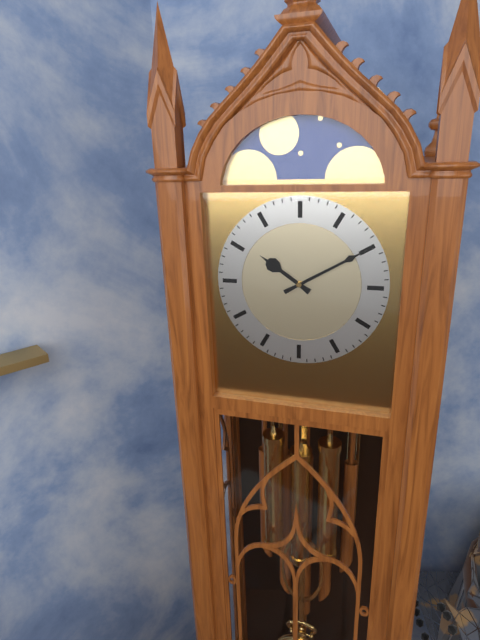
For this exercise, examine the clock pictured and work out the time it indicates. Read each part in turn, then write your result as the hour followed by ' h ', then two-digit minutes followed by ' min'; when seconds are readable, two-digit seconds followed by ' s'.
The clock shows 10 h 10 min
